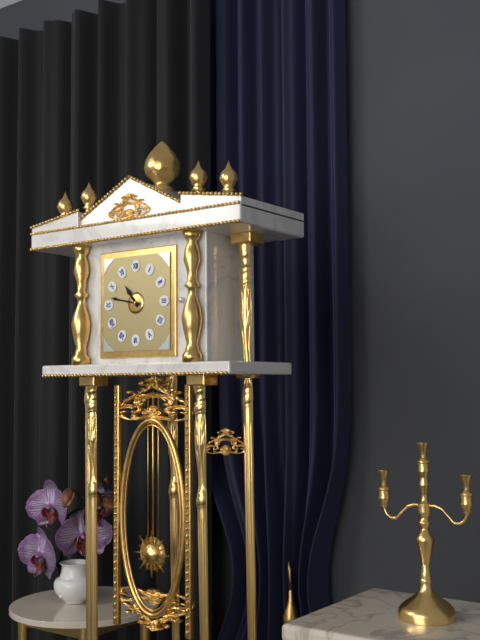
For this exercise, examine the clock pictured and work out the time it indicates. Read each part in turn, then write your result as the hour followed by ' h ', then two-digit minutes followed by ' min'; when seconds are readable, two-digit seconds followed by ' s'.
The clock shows 10 h 47 min
